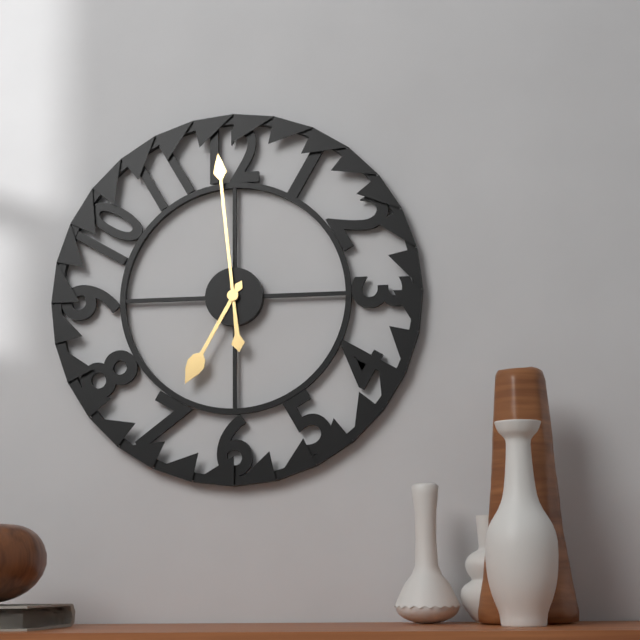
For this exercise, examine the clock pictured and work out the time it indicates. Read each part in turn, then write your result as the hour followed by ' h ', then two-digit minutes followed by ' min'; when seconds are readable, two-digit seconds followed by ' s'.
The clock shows 6 h 59 min
